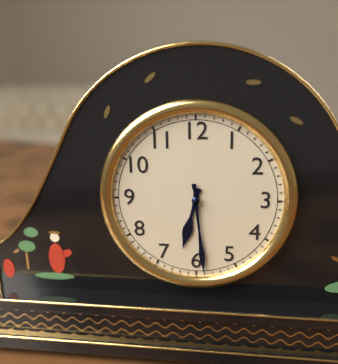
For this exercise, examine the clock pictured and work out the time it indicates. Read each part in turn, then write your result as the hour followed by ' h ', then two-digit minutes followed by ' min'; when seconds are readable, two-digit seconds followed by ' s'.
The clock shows 6 h 29 min
